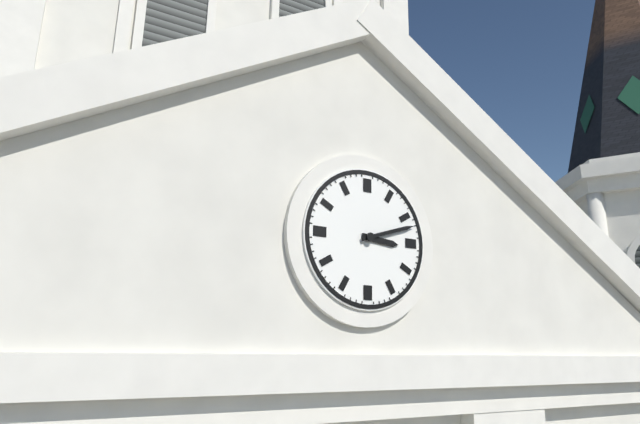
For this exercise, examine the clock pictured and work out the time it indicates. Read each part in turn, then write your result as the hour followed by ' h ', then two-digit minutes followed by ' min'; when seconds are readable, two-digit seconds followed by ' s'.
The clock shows 3 h 12 min
